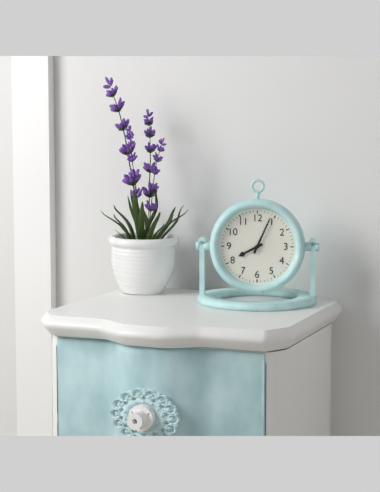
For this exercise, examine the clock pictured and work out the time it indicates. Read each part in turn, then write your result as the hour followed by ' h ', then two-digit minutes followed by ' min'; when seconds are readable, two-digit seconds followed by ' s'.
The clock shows 8 h 04 min
